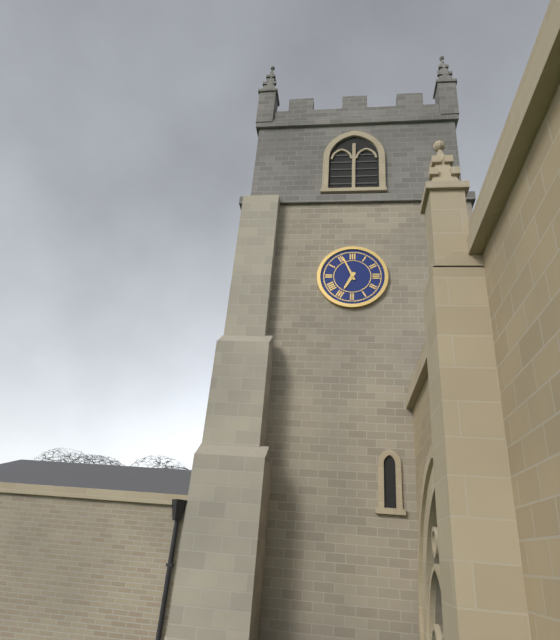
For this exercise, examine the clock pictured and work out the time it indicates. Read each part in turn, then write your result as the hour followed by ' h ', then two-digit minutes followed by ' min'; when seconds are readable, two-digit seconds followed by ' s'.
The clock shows 6 h 56 min
